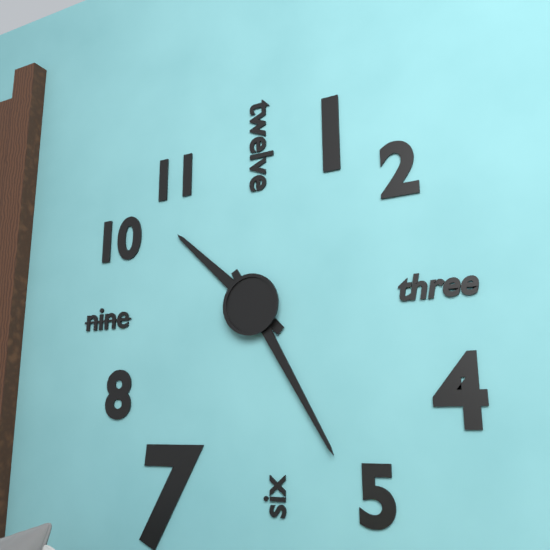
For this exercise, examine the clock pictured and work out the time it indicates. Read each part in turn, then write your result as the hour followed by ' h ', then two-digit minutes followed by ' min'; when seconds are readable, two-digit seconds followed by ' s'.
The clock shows 10 h 25 min
